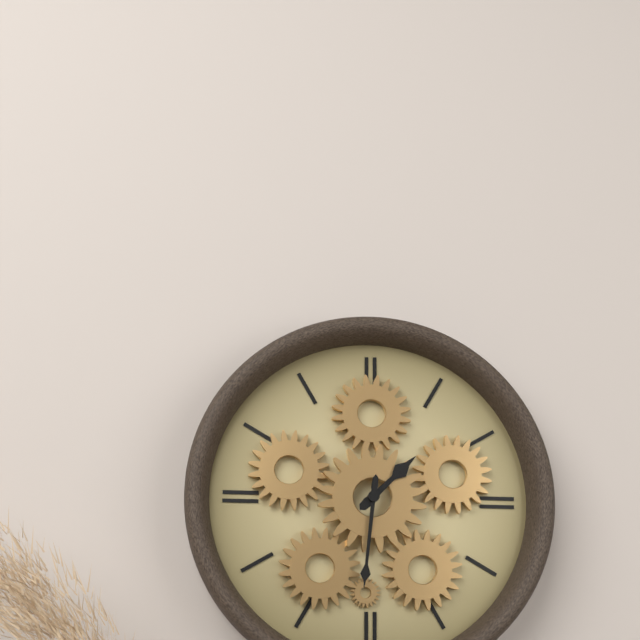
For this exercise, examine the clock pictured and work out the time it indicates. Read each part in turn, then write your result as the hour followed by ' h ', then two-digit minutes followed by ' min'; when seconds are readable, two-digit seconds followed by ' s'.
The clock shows 1 h 31 min
